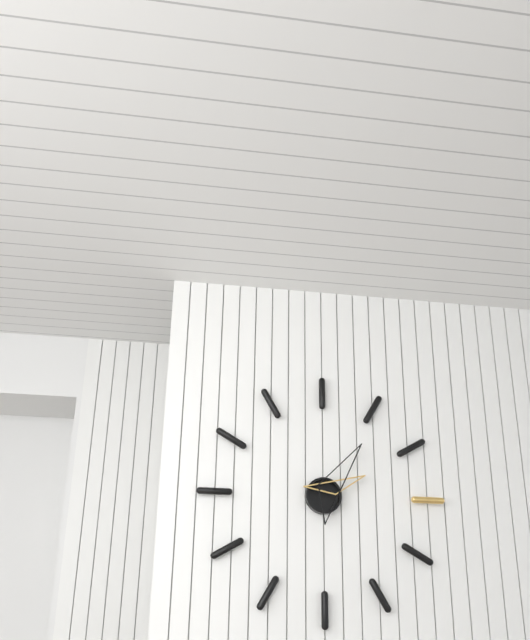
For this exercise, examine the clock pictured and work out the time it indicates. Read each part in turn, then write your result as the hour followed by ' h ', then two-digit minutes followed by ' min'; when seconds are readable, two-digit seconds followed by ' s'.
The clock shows 2 h 06 min
